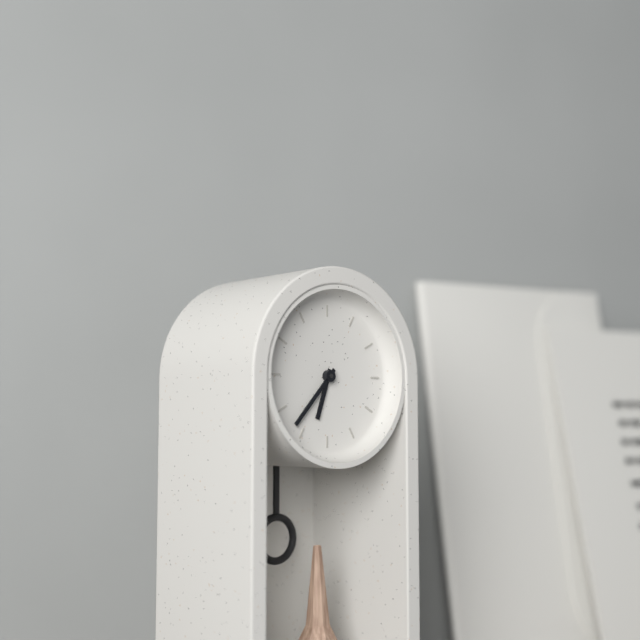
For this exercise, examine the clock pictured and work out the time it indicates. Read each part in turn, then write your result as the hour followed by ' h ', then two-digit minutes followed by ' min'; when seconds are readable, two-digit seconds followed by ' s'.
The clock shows 6 h 37 min
